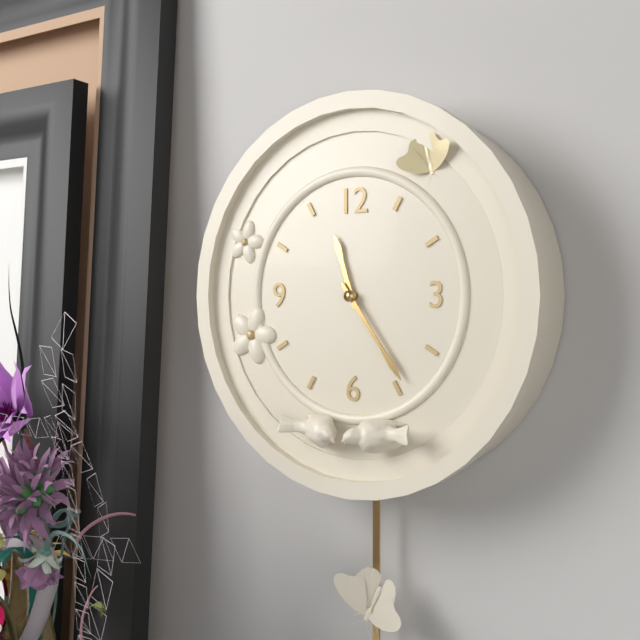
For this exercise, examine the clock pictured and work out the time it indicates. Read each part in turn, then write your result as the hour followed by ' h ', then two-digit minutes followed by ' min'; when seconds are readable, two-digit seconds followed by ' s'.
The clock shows 11 h 24 min
